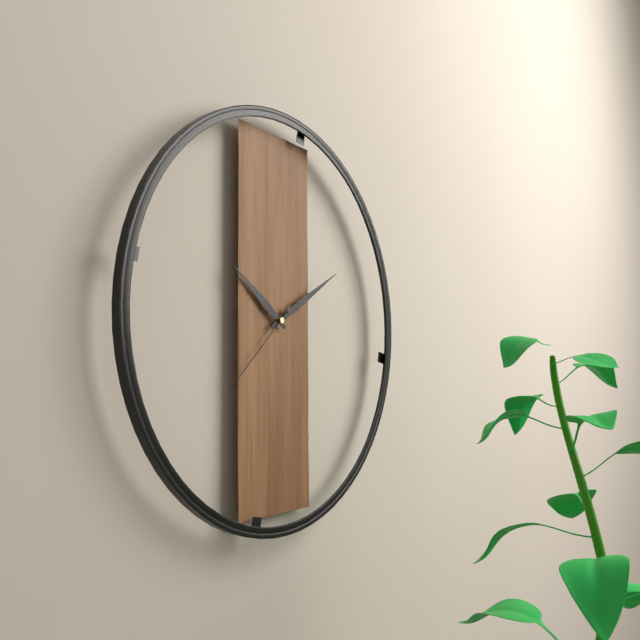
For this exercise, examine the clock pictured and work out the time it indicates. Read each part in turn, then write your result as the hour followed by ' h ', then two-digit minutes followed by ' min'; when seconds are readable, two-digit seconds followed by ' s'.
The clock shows 10 h 10 min 38 s
